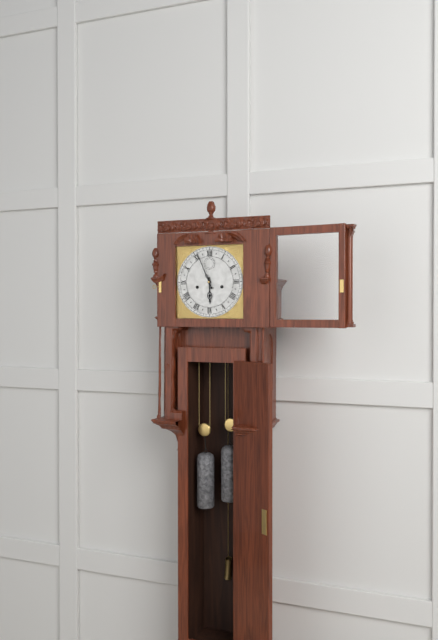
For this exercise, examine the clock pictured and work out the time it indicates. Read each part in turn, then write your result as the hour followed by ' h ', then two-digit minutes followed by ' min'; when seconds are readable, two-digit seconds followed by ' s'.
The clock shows 5 h 56 min
